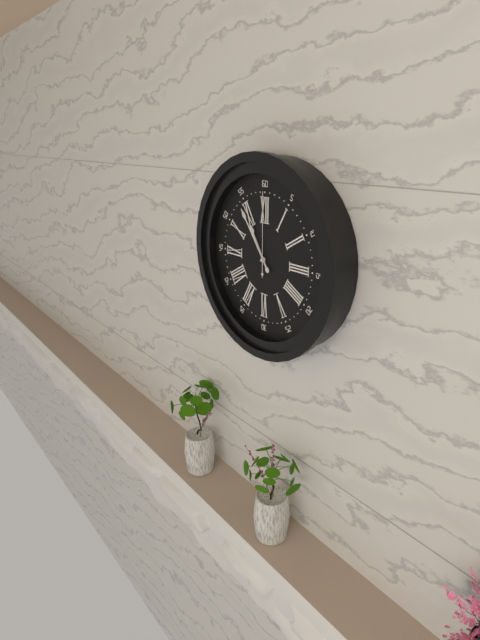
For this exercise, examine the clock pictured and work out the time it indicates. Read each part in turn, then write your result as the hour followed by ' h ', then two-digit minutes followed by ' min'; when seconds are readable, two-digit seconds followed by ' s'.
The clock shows 10 h 54 min 00 s
